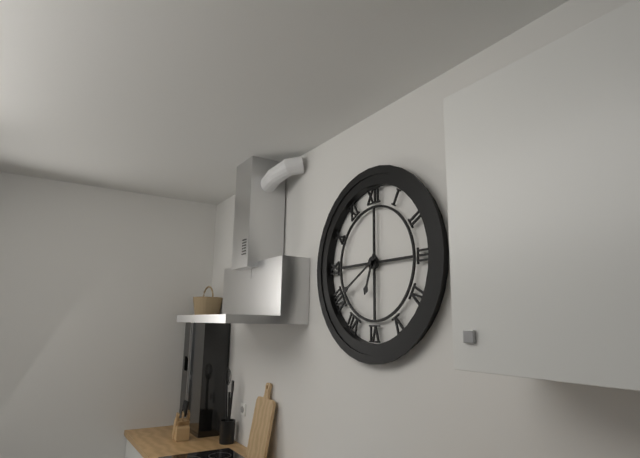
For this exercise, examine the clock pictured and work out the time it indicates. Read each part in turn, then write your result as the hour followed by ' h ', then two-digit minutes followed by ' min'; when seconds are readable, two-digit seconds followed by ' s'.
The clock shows 6 h 40 min
